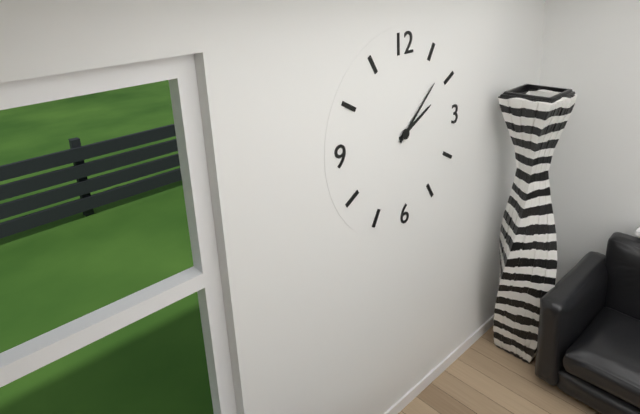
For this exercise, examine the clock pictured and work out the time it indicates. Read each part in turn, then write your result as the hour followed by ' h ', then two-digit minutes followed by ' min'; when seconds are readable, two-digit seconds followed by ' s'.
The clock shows 2 h 08 min
